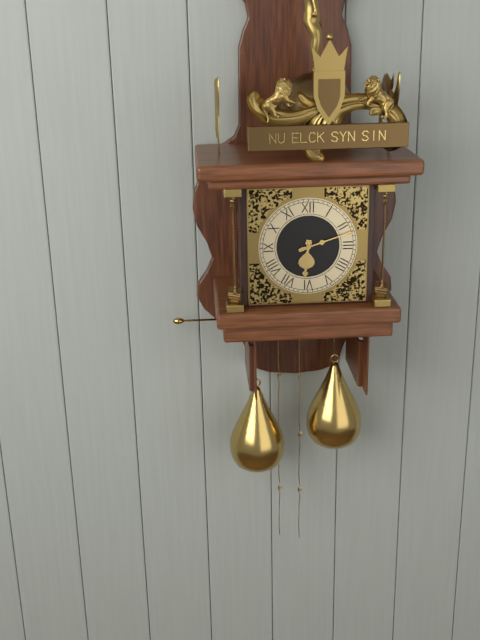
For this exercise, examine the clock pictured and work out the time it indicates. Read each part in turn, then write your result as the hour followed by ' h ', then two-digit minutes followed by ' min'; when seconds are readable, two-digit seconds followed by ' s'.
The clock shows 6 h 12 min
